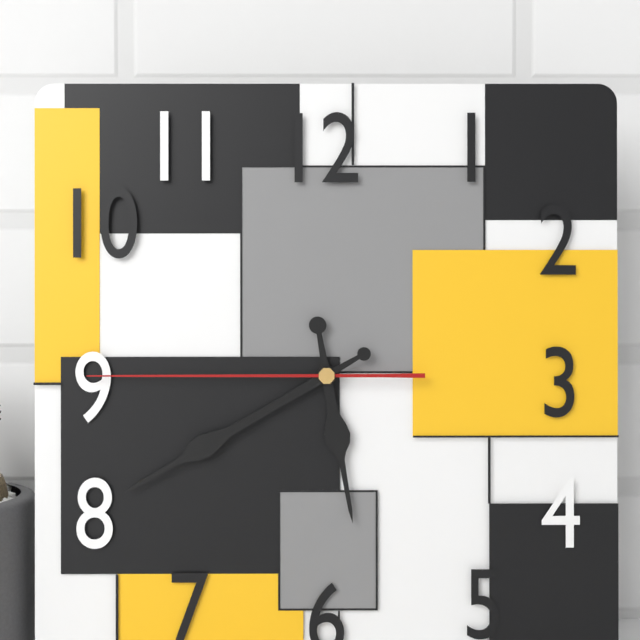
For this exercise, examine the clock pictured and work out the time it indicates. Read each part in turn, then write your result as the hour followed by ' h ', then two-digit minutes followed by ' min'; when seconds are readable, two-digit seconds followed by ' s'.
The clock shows 5 h 40 min 45 s
